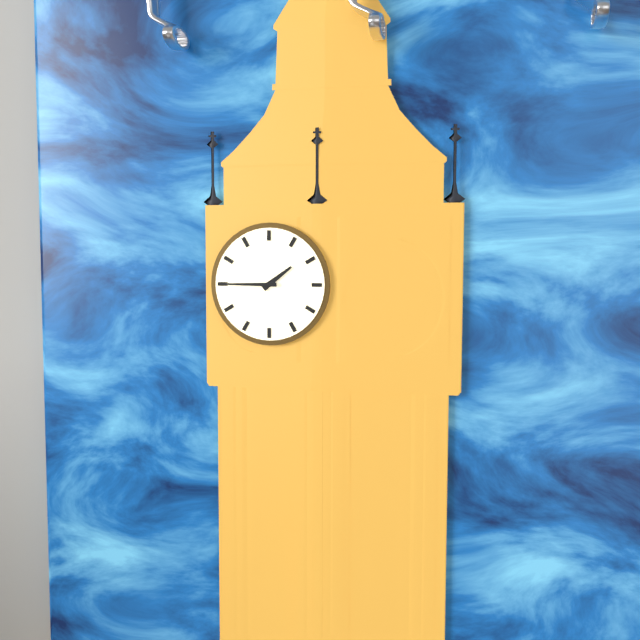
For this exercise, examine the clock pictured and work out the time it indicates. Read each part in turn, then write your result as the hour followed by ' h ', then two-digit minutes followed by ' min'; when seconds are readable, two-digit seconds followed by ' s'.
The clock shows 1 h 45 min
